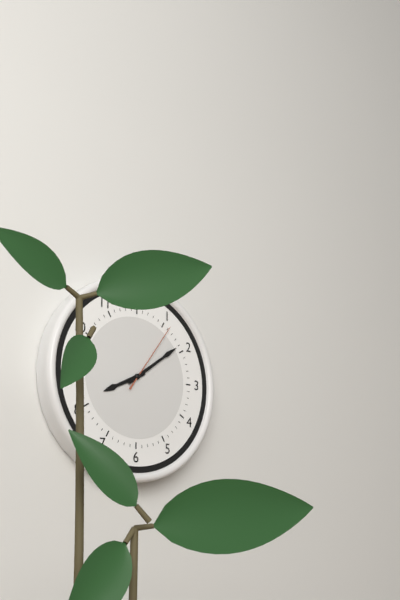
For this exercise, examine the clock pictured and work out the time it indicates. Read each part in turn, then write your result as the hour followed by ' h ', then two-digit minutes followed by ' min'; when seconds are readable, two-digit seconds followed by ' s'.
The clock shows 8 h 09 min 06 s
